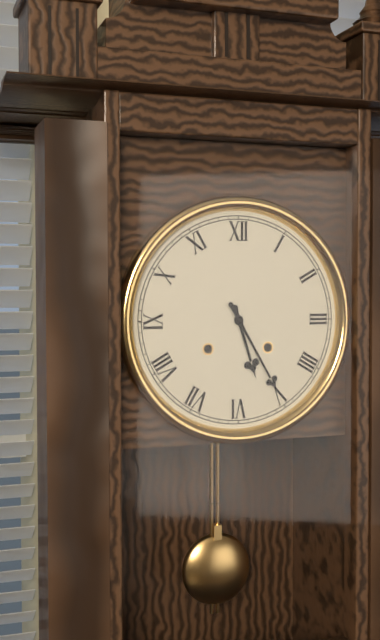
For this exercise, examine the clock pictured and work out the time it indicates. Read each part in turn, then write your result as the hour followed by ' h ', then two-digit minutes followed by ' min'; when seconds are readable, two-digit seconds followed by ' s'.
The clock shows 5 h 25 min
